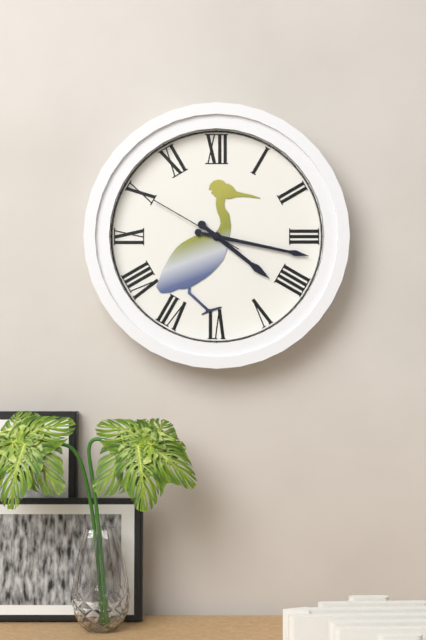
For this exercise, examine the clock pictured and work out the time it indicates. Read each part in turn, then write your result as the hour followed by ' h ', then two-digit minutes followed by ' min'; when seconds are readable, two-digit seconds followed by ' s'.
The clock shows 4 h 17 min 50 s
